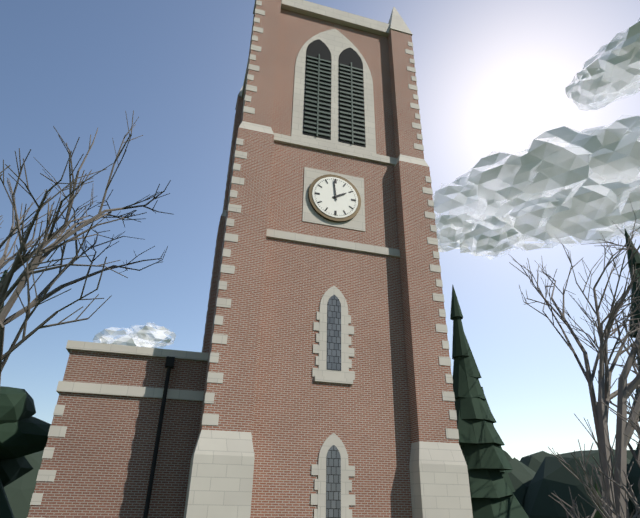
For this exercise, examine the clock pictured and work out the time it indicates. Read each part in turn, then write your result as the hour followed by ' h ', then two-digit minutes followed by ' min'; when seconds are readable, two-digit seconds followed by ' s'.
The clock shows 1 h 59 min
